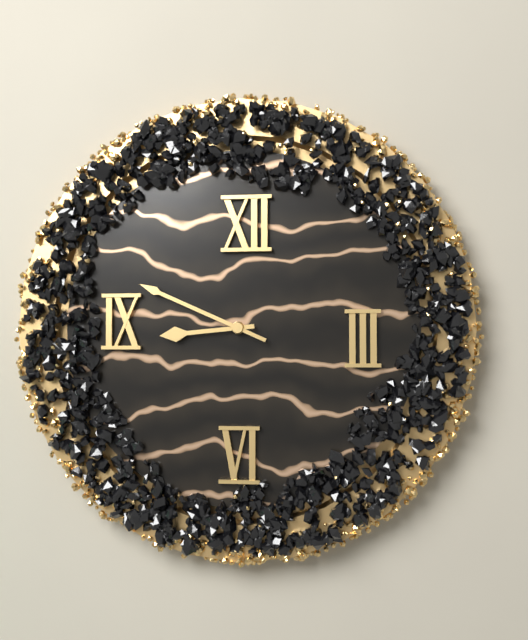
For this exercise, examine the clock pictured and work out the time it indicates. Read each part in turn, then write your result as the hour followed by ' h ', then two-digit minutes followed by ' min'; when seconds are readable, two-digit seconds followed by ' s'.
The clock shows 8 h 49 min
